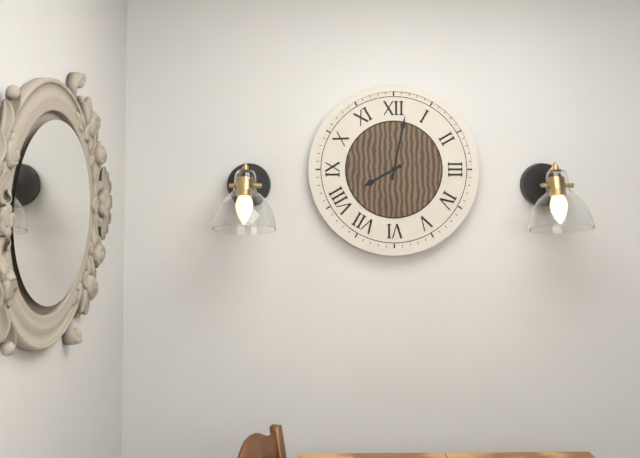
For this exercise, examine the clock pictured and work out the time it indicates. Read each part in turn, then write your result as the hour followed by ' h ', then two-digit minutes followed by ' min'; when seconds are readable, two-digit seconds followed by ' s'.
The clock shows 8 h 02 min
